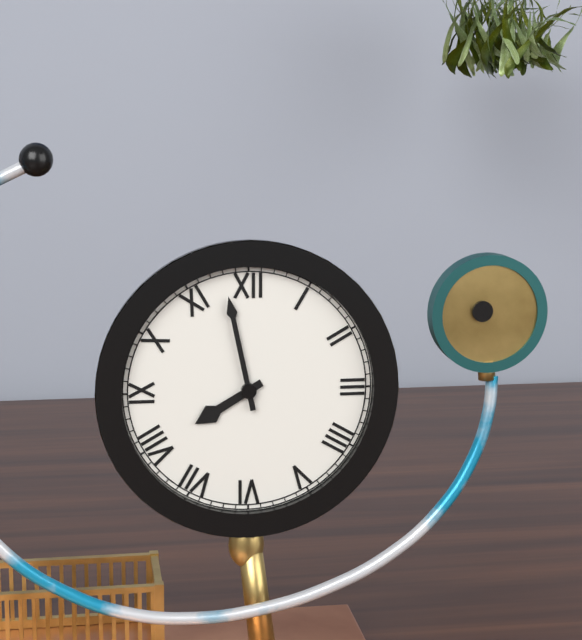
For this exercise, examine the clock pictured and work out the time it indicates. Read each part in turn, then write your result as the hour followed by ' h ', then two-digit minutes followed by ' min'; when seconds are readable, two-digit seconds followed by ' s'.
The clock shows 7 h 58 min
